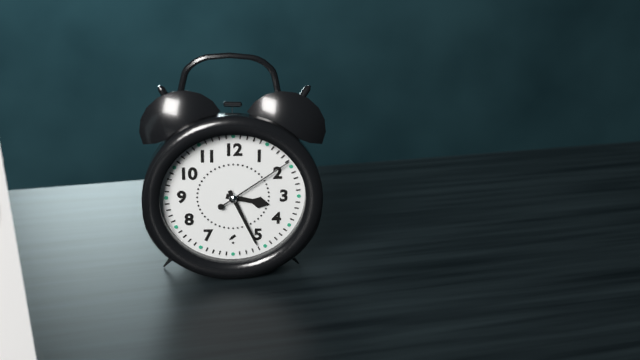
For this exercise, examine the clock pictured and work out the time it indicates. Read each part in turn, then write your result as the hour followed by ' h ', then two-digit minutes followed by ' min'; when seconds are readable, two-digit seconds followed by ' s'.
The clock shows 3 h 26 min 09 s
